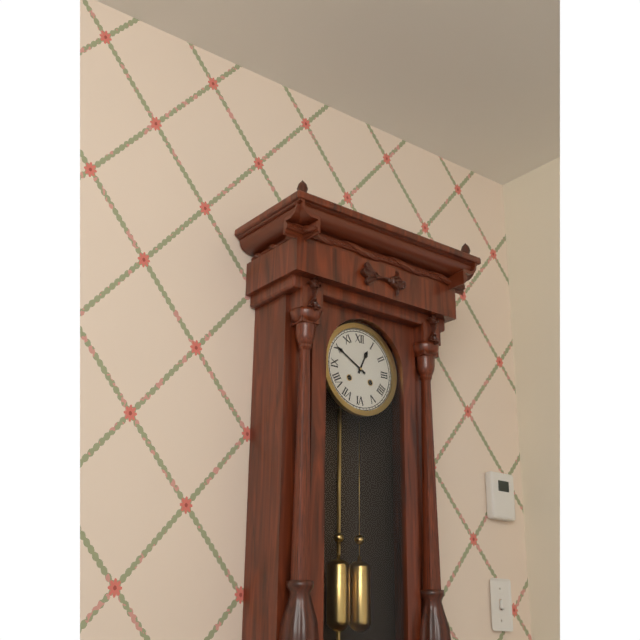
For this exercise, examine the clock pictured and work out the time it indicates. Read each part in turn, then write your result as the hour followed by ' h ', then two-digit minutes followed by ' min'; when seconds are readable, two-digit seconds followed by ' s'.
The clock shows 12 h 50 min
